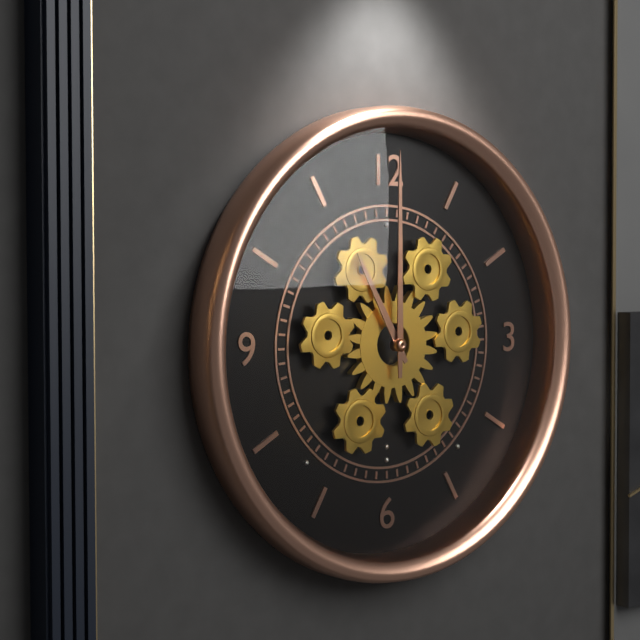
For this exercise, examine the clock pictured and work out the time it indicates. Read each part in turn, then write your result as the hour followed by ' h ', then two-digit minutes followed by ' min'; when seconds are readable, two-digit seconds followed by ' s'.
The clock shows 11 h 00 min
